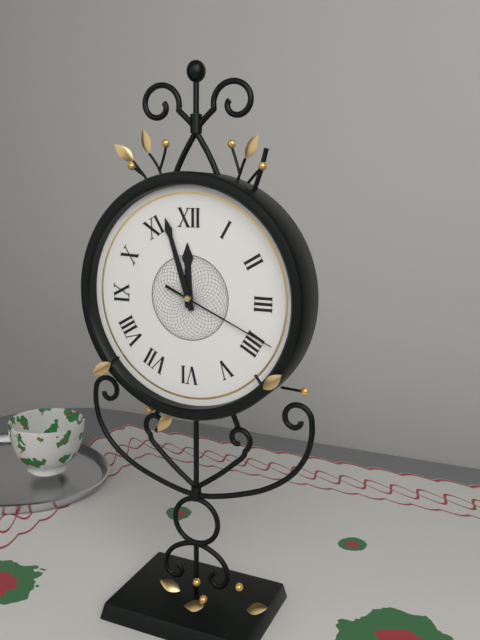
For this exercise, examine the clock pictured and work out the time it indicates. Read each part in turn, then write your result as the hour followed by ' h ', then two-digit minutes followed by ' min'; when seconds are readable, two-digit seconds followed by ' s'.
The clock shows 11 h 57 min 19 s
